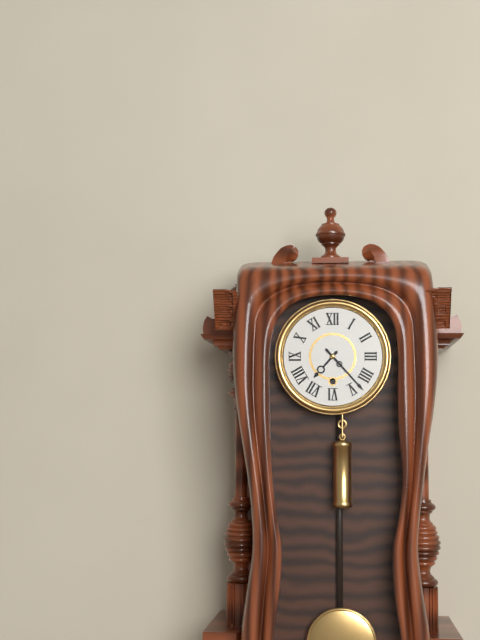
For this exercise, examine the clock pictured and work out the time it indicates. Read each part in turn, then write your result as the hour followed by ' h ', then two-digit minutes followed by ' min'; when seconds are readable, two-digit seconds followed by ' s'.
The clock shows 7 h 23 min
